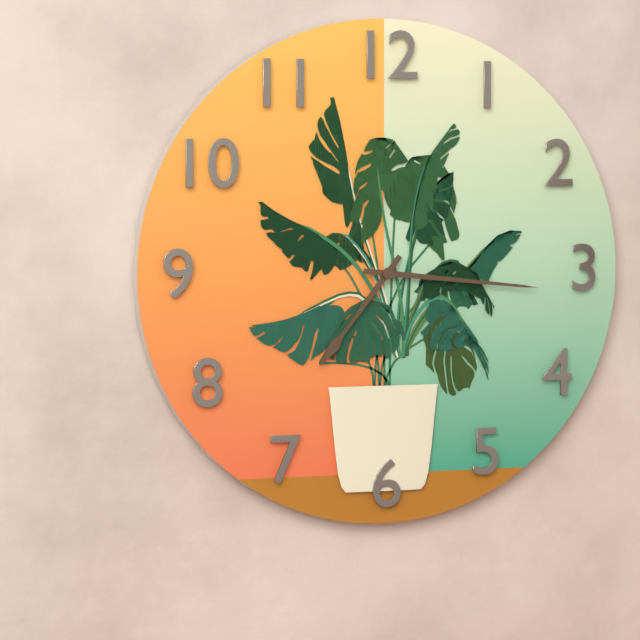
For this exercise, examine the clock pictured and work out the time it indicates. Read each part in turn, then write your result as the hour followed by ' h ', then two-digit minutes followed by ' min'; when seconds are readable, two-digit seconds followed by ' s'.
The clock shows 7 h 16 min
